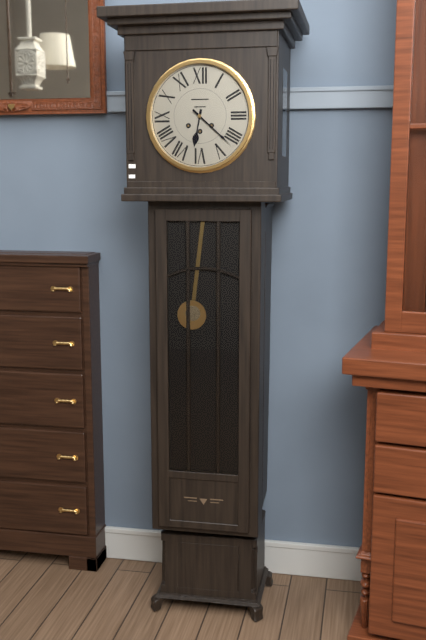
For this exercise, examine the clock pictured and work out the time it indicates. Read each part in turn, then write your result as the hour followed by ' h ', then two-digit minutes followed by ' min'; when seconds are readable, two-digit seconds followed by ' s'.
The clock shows 6 h 22 min
